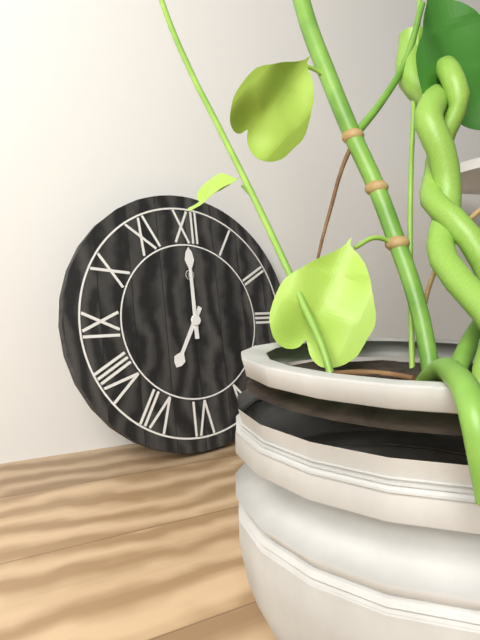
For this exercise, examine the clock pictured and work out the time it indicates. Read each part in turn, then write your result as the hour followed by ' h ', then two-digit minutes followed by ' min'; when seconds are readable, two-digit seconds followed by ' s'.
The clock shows 7 h 00 min
